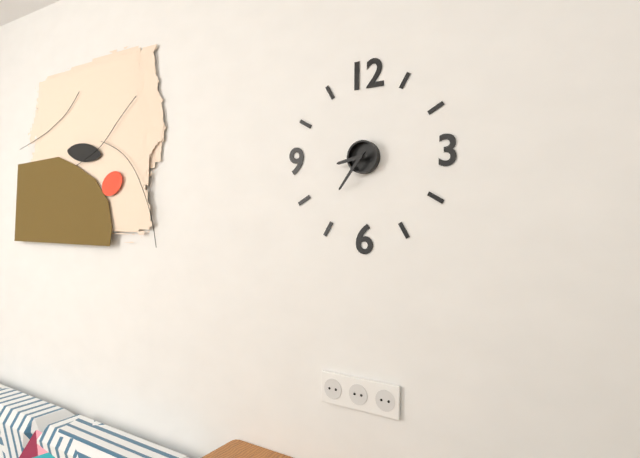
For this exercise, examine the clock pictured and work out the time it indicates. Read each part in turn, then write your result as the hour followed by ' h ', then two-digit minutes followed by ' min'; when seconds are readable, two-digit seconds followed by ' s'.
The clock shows 8 h 36 min
